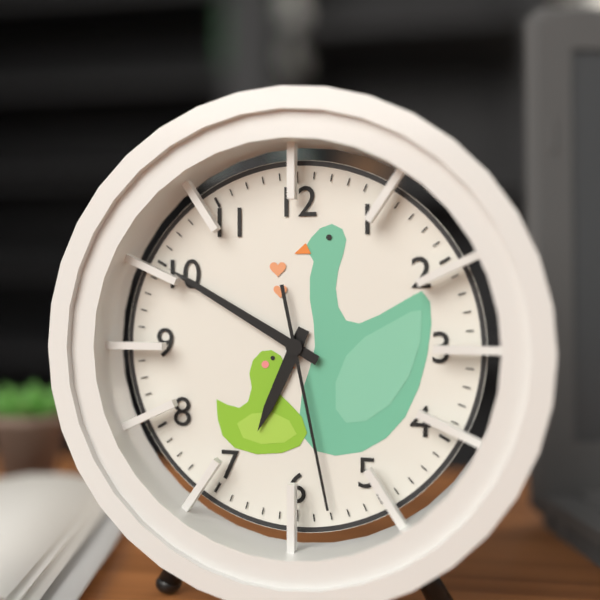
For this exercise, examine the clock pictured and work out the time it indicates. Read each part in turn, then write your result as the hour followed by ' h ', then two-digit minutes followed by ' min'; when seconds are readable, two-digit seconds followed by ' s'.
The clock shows 6 h 50 min 28 s
